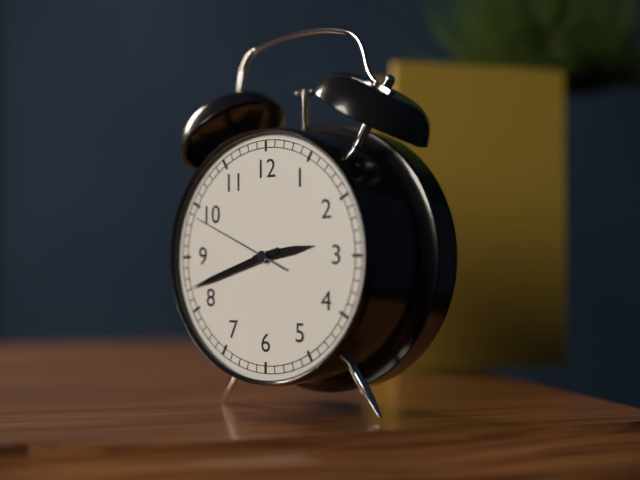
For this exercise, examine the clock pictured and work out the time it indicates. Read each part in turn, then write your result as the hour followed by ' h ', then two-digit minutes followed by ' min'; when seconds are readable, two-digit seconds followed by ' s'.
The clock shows 2 h 42 min 49 s
